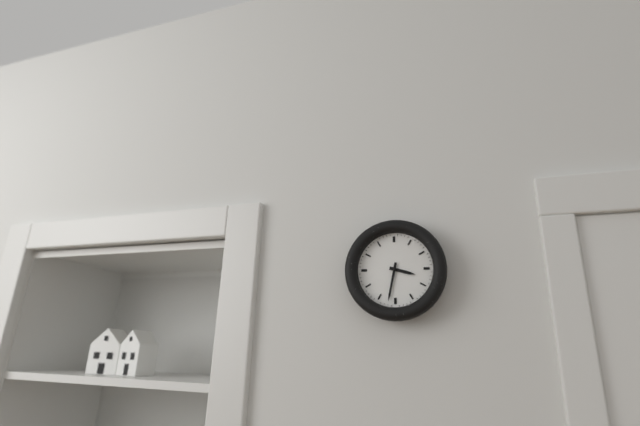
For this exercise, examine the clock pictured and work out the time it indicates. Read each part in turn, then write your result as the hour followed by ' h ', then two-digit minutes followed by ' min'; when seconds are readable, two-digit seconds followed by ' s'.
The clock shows 3 h 32 min
